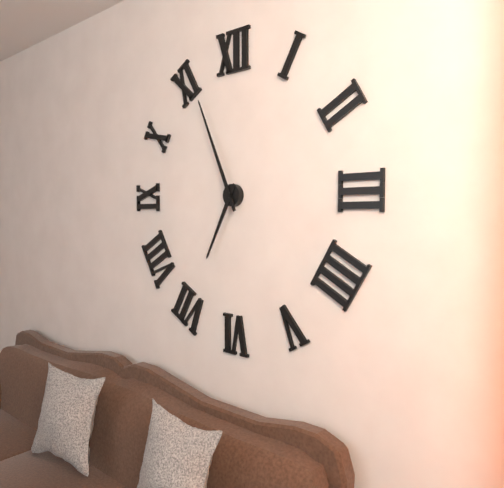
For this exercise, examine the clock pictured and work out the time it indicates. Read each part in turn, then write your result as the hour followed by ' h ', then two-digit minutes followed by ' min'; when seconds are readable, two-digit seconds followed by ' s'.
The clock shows 6 h 56 min
